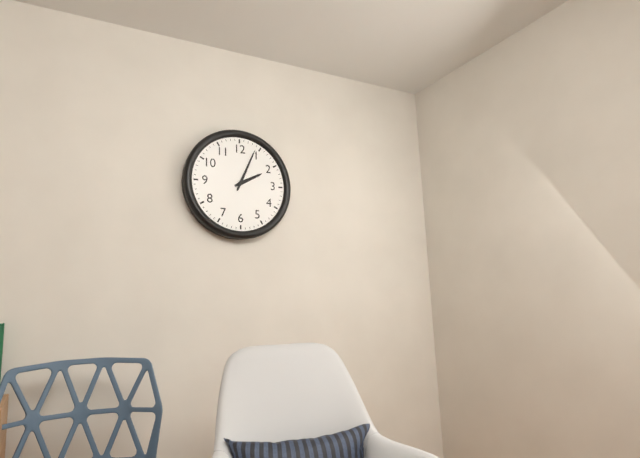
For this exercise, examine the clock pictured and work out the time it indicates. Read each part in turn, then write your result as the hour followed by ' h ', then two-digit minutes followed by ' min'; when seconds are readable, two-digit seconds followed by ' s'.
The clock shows 2 h 04 min
